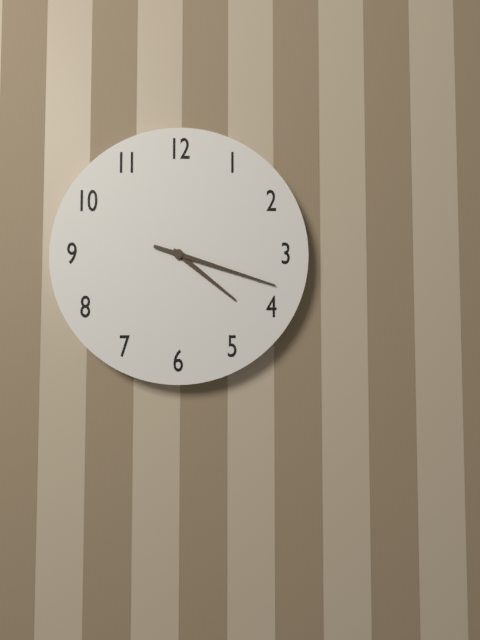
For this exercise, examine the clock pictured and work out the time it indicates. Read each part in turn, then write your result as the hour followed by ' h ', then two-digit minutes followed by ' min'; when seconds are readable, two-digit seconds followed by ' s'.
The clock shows 4 h 18 min
